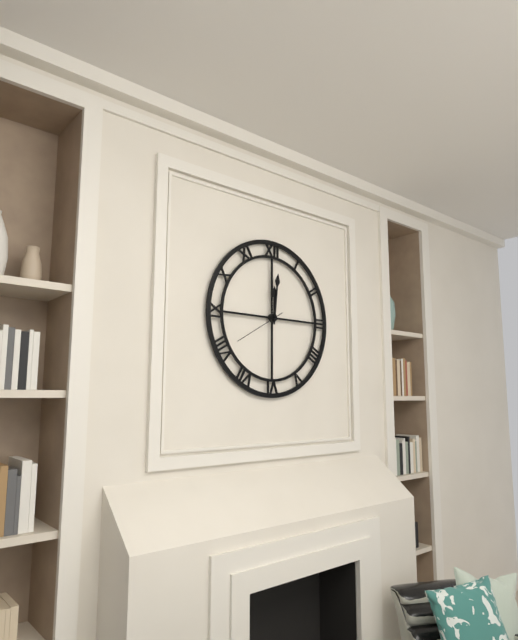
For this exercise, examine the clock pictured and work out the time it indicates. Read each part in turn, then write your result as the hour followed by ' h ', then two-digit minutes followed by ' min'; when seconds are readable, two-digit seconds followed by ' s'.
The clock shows 12 h 01 min
